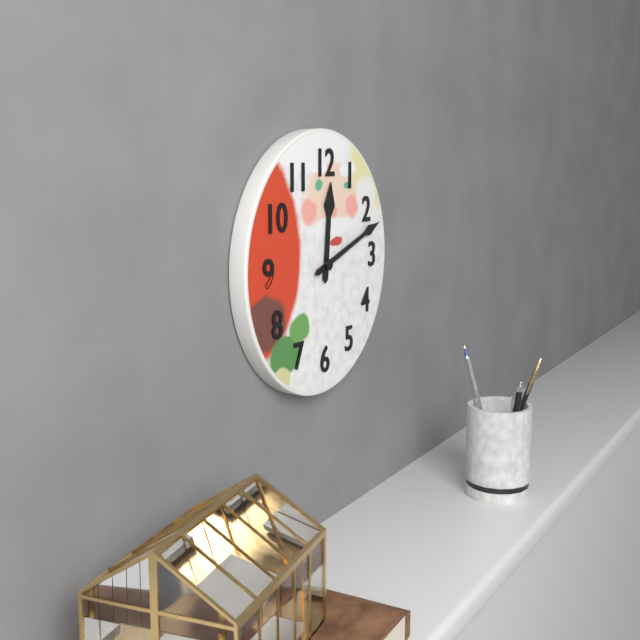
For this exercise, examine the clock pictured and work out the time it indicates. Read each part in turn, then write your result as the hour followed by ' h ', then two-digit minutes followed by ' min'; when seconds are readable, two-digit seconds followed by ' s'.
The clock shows 12 h 12 min
